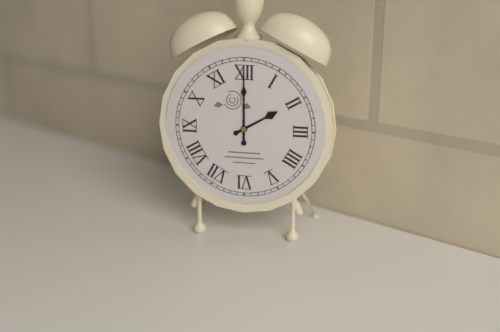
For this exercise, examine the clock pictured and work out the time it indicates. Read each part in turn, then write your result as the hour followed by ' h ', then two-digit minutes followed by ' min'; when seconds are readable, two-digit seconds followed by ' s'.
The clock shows 2 h 00 min
